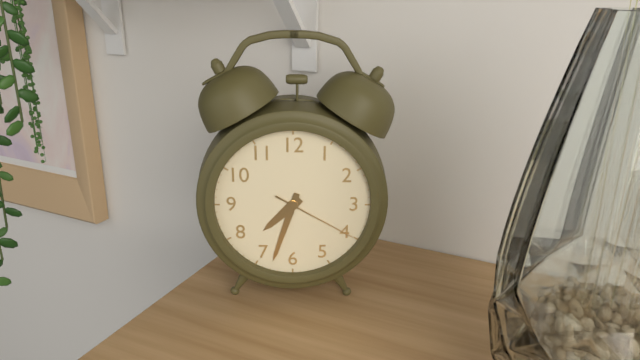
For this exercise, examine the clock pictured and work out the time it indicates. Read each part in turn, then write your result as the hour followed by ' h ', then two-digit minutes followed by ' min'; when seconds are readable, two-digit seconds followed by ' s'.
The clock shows 7 h 33 min 20 s
